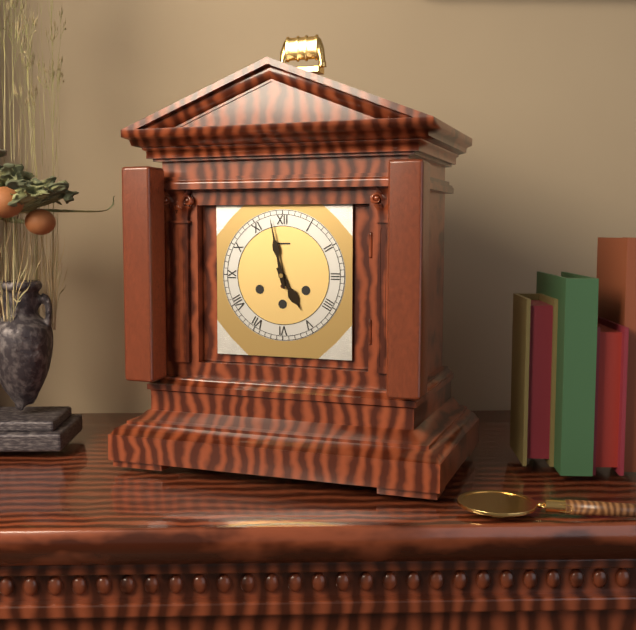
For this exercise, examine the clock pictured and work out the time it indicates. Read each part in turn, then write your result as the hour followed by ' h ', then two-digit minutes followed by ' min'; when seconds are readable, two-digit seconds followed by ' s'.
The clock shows 4 h 58 min
